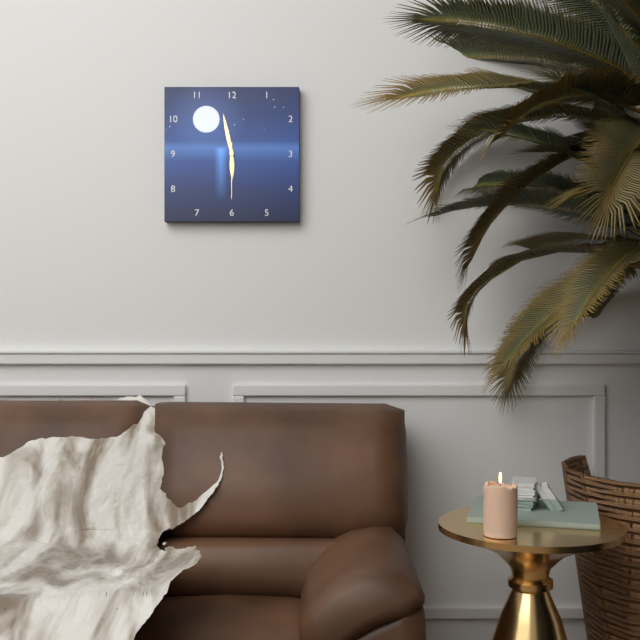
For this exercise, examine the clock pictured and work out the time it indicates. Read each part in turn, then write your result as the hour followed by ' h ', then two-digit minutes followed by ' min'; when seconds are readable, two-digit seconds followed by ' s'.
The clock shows 5 h 58 min 30 s
